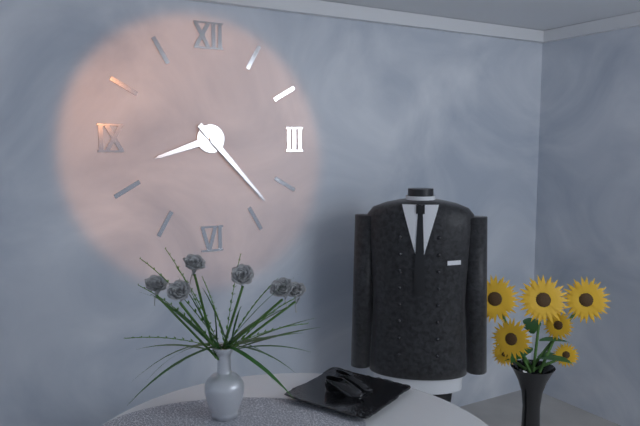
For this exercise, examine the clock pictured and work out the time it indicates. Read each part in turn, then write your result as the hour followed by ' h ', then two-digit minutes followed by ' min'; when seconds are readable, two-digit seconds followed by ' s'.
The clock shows 8 h 23 min
